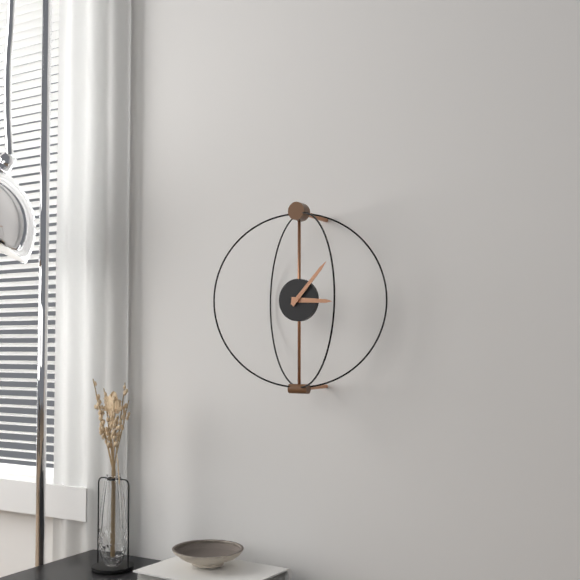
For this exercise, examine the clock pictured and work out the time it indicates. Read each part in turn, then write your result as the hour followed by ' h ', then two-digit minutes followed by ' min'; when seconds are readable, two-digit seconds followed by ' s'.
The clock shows 3 h 07 min
